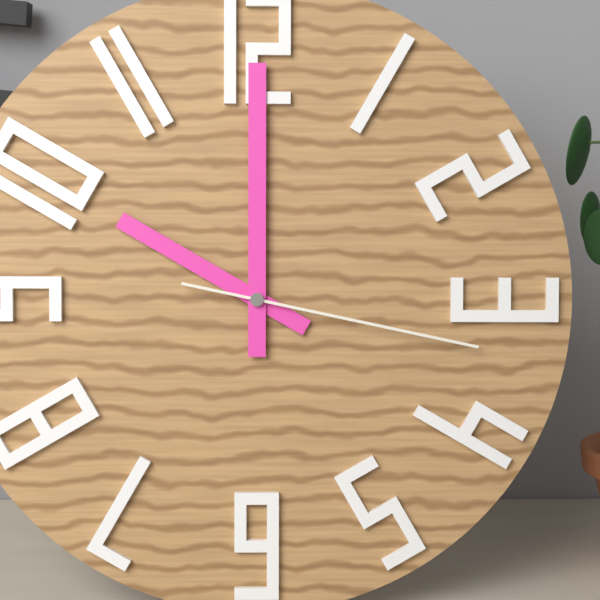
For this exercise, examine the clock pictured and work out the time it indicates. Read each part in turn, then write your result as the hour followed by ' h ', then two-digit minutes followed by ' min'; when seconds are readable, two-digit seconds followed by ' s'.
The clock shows 10 h 00 min 17 s
